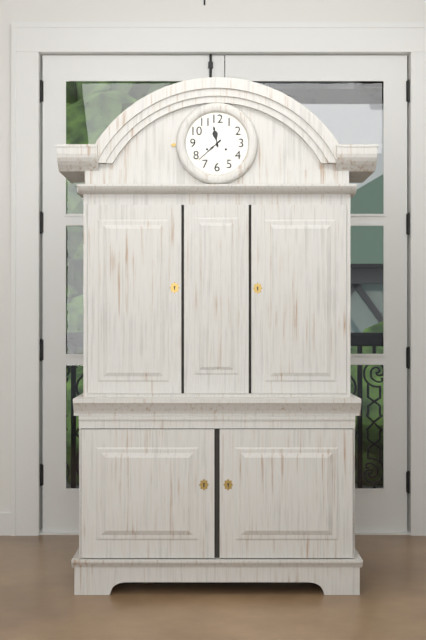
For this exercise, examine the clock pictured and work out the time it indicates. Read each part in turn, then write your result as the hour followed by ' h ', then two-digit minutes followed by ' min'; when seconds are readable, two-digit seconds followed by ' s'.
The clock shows 11 h 38 min
